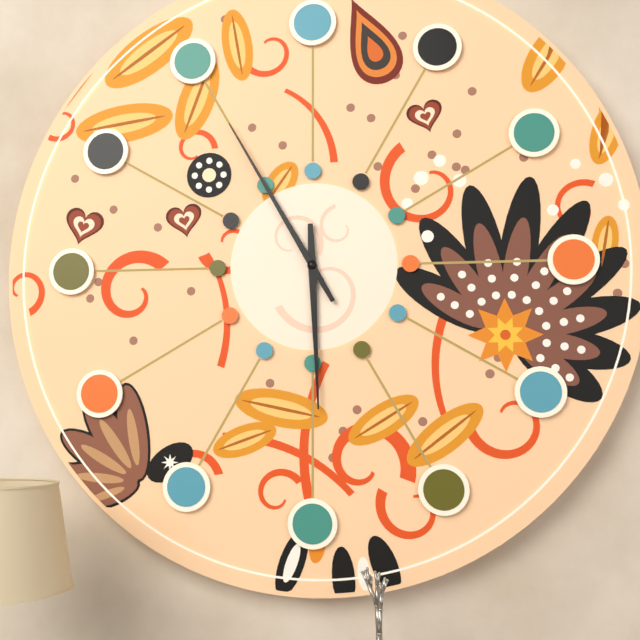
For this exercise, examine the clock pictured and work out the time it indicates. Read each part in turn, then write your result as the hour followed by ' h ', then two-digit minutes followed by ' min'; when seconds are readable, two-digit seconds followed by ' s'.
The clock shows 5 h 55 min
